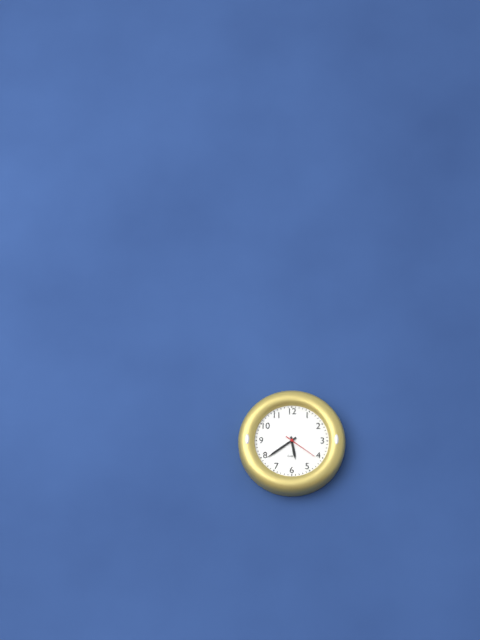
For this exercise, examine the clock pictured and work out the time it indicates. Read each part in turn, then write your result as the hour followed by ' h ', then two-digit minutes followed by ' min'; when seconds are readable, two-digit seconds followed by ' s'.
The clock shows 5 h 39 min
